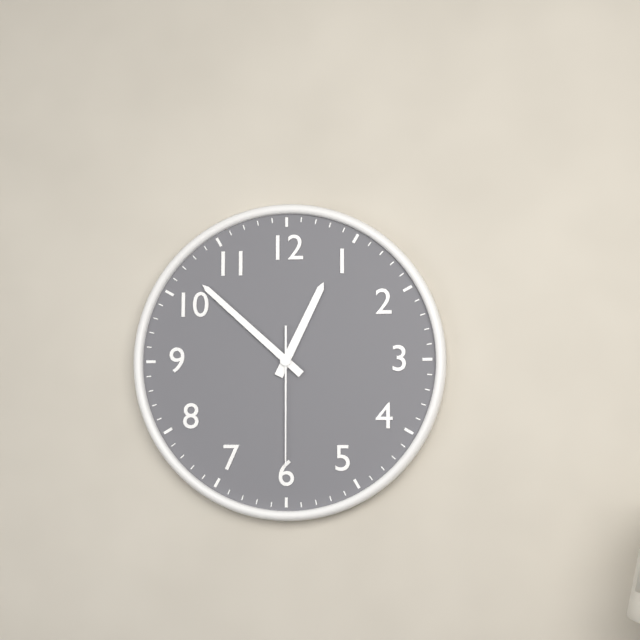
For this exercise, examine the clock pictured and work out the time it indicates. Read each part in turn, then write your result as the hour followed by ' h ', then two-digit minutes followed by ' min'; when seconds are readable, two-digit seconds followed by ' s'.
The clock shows 12 h 52 min 30 s
